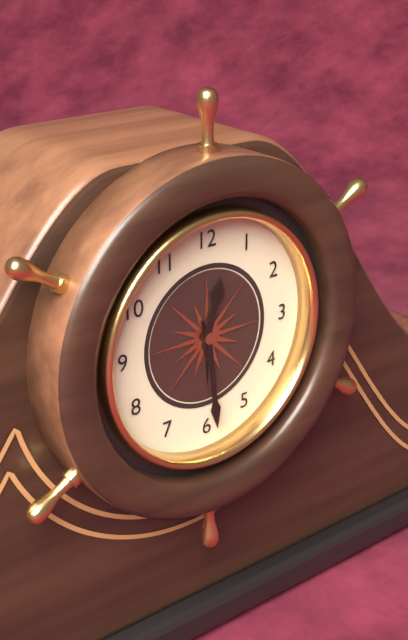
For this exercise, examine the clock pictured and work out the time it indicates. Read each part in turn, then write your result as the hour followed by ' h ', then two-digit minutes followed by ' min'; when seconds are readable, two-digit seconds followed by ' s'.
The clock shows 12 h 29 min
